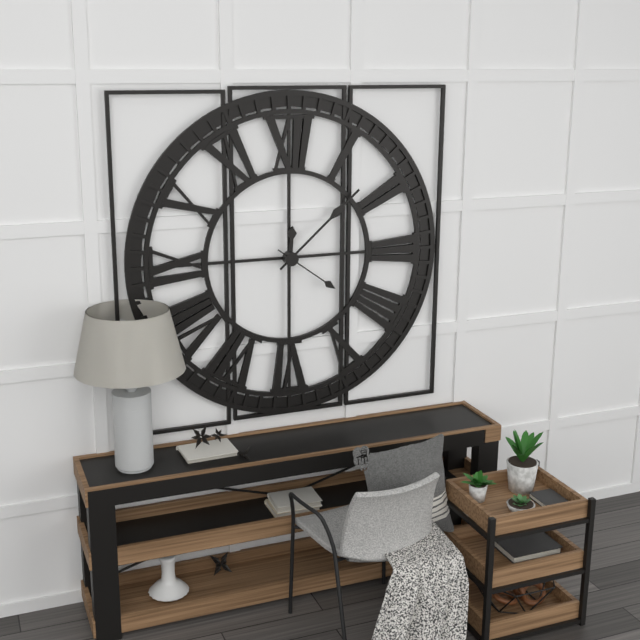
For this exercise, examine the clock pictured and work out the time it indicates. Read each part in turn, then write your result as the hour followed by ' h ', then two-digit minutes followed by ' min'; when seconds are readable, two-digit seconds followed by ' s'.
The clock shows 12 h 08 min 21 s
